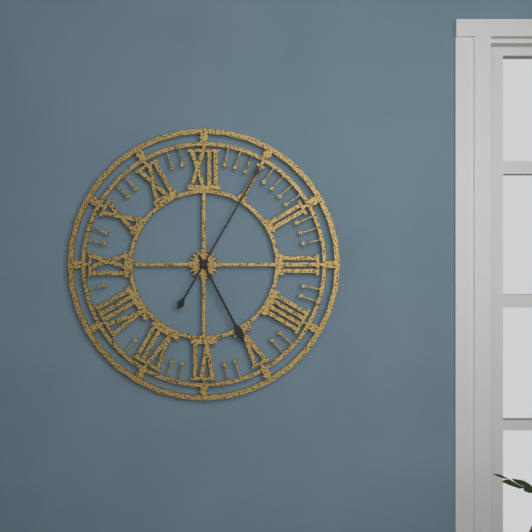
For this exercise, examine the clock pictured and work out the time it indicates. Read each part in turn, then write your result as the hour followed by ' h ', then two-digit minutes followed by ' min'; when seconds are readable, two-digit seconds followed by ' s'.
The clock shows 5 h 05 min
